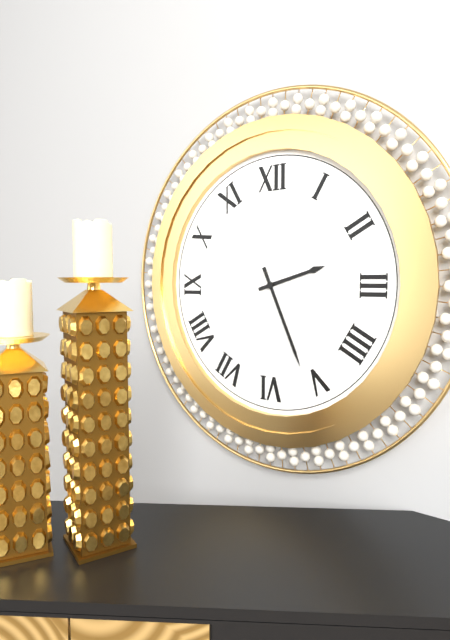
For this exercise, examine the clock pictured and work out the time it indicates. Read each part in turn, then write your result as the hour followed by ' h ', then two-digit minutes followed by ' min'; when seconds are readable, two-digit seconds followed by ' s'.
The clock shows 2 h 26 min
